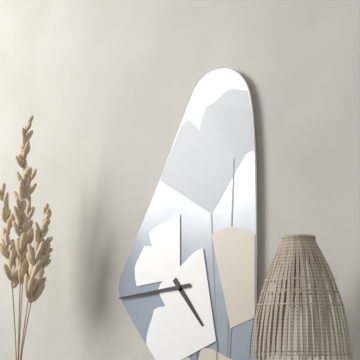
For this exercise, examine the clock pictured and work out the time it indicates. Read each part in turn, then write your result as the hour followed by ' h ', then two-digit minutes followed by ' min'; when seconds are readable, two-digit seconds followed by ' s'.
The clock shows 4 h 44 min
